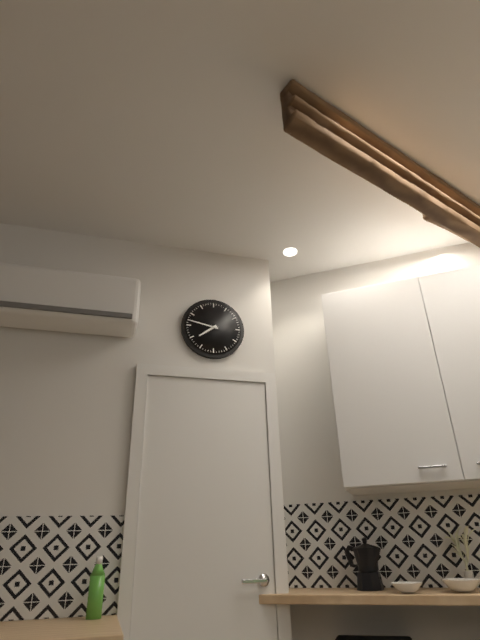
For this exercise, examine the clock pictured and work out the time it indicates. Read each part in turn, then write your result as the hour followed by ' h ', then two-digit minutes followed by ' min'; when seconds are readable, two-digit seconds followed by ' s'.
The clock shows 7 h 47 min
